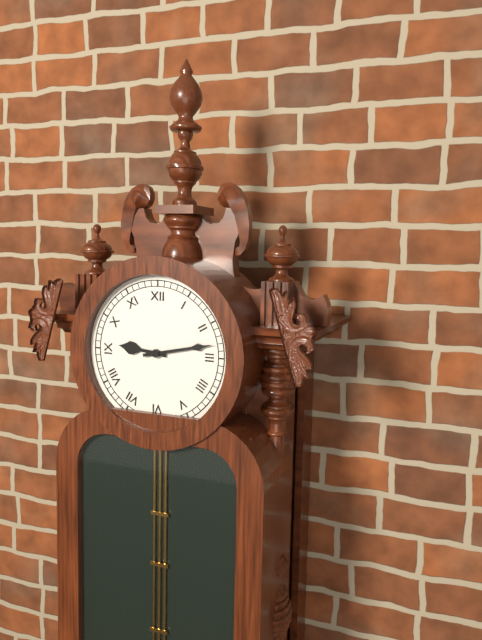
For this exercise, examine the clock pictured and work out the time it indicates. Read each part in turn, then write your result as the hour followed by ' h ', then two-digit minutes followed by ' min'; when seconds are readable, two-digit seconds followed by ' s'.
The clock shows 9 h 13 min
